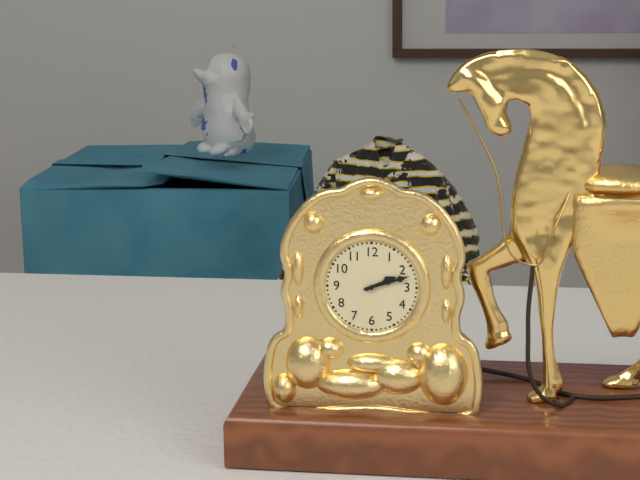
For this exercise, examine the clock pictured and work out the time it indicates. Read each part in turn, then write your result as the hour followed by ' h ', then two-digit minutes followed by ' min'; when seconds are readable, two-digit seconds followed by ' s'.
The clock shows 2 h 12 min
